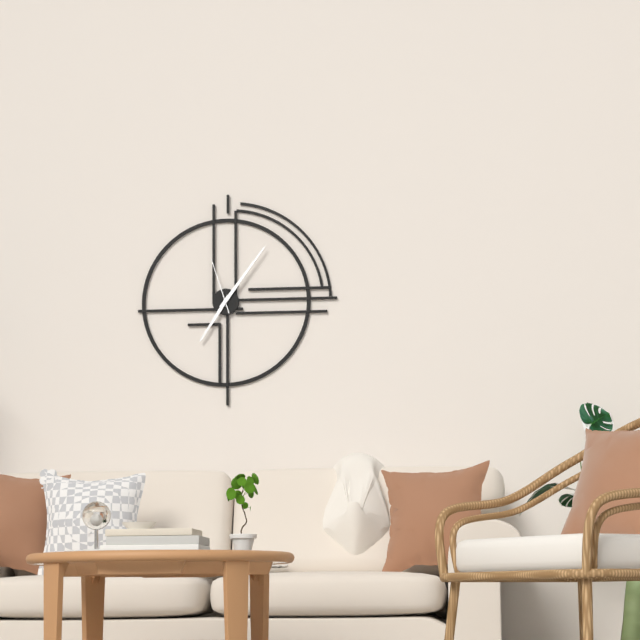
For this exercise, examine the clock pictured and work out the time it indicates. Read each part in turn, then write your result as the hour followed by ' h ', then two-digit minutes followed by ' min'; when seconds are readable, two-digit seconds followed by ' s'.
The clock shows 7 h 06 min 57 s
